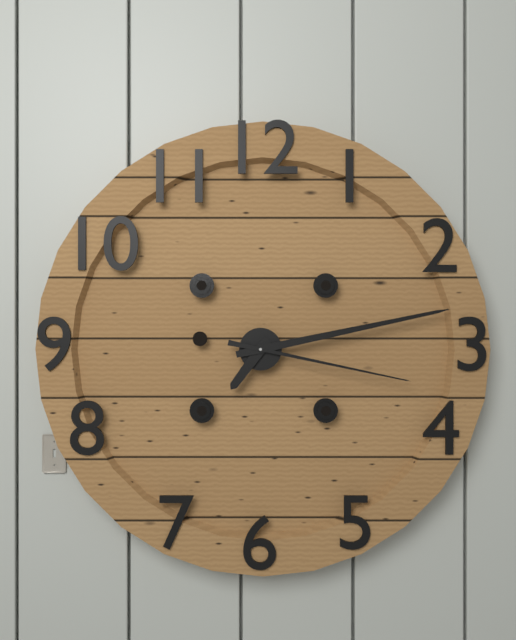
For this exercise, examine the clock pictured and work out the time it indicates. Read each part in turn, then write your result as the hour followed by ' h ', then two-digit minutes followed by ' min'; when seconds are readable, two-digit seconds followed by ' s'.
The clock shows 7 h 13 min 17 s
